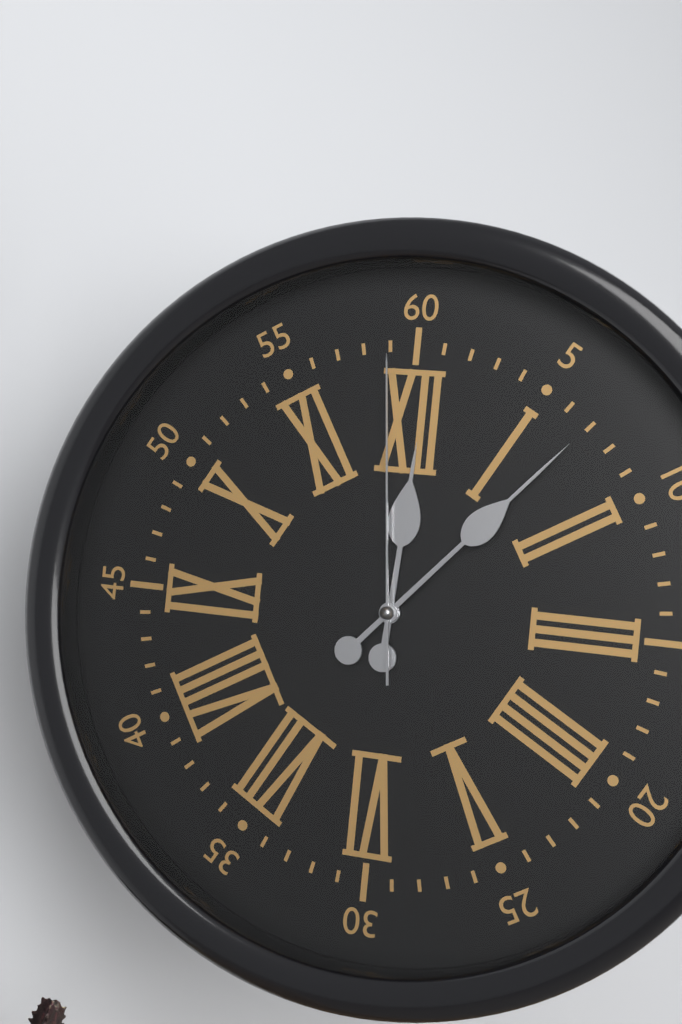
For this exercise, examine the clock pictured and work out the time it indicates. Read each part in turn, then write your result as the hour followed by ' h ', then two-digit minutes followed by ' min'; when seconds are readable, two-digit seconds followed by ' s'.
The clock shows 12 h 07 min 59 s
